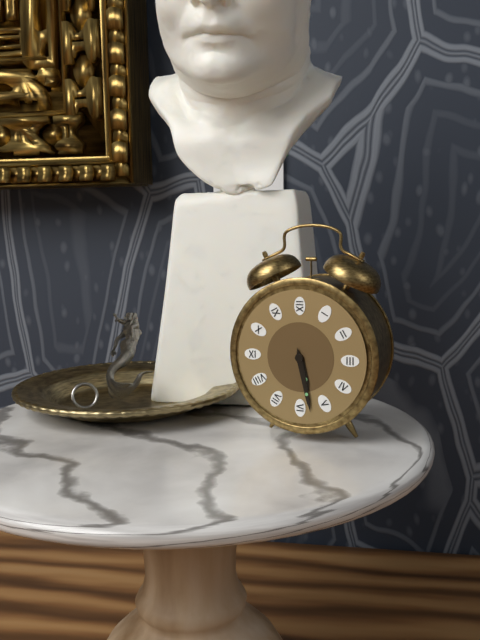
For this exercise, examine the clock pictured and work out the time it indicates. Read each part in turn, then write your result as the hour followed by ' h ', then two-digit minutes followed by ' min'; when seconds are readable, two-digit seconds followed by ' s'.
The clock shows 5 h 28 min
